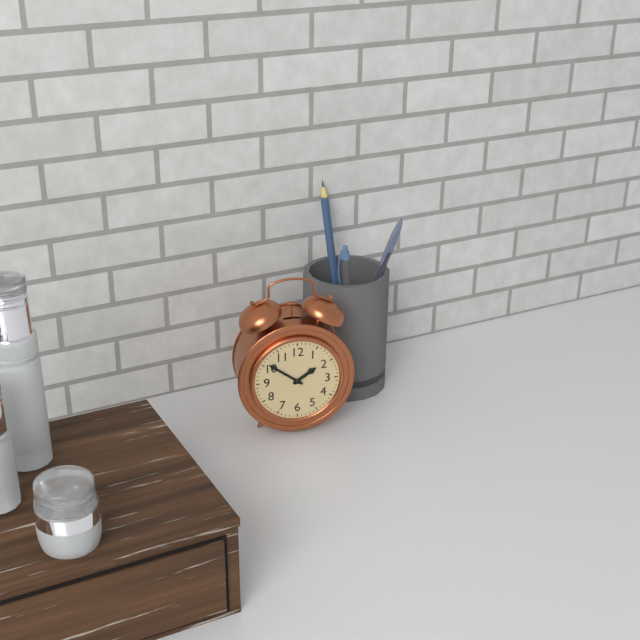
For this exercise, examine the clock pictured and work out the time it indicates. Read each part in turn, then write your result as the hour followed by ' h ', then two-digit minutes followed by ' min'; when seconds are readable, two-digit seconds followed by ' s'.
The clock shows 1 h 51 min
